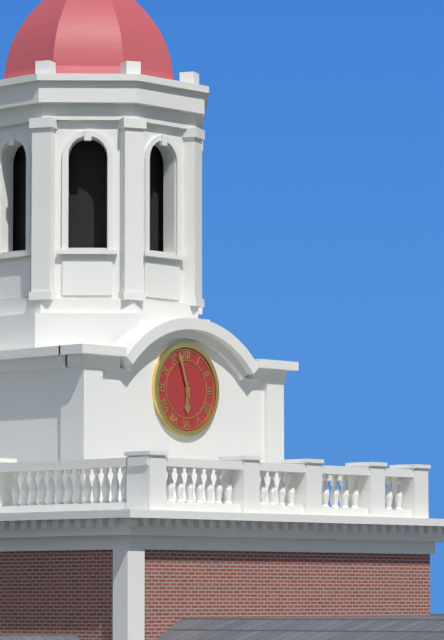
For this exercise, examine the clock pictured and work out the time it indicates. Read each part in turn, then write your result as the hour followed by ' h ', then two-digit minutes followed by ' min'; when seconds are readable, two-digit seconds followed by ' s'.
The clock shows 5 h 57 min
